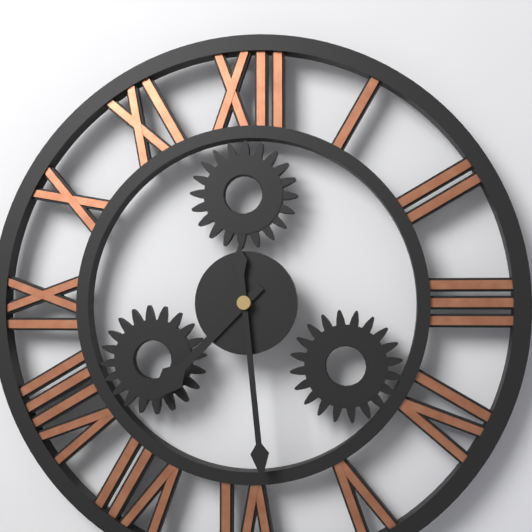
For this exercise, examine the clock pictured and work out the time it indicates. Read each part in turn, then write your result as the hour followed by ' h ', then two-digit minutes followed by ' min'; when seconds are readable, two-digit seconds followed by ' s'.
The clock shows 7 h 29 min
